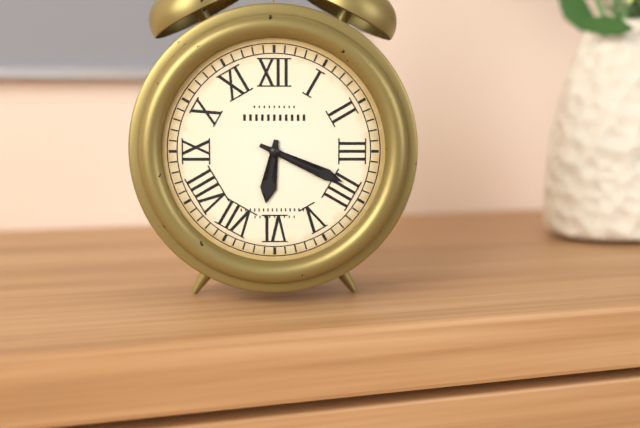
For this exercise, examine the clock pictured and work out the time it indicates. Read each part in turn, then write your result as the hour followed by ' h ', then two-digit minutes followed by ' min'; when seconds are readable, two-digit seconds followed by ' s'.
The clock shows 6 h 19 min
